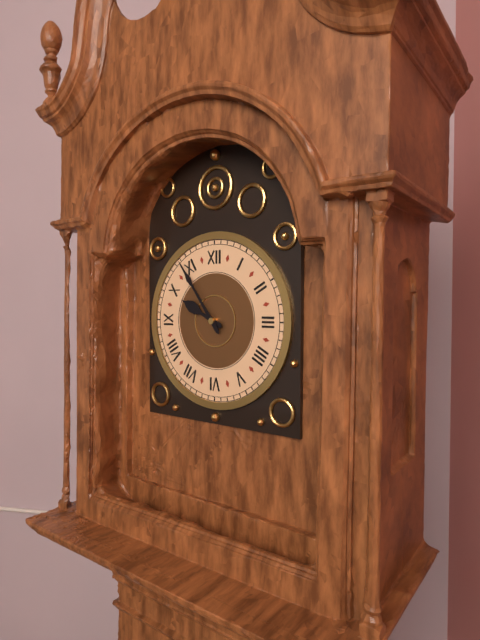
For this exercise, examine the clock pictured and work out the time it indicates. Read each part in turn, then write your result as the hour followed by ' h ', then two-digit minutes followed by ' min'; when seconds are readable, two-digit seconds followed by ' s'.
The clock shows 9 h 54 min
